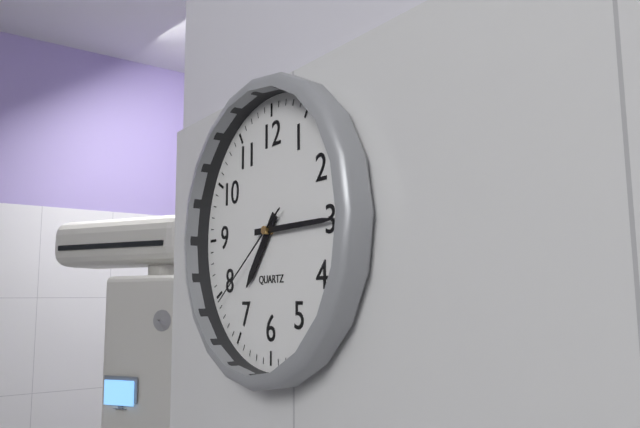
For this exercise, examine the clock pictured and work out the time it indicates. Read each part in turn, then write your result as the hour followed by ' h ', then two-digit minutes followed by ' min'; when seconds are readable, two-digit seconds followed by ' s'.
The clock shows 7 h 15 min 39 s
